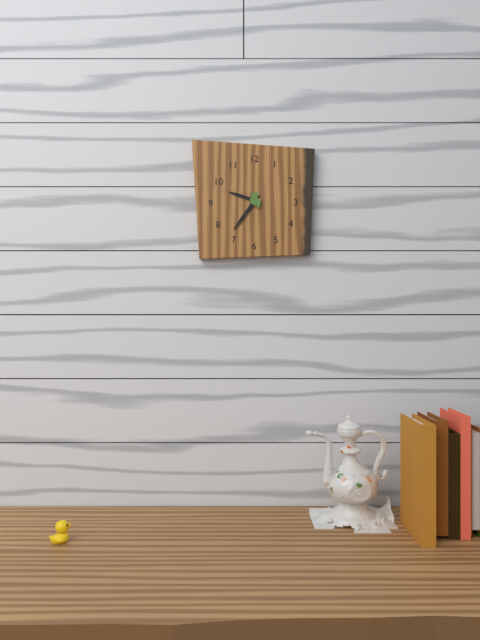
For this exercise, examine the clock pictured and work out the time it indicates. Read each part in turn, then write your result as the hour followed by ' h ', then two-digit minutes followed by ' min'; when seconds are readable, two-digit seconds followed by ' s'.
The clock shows 9 h 36 min
